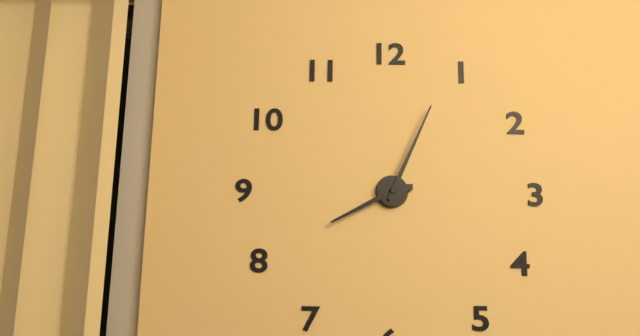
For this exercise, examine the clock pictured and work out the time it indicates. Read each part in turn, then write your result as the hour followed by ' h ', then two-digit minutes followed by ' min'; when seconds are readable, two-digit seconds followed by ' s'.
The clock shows 8 h 04 min
